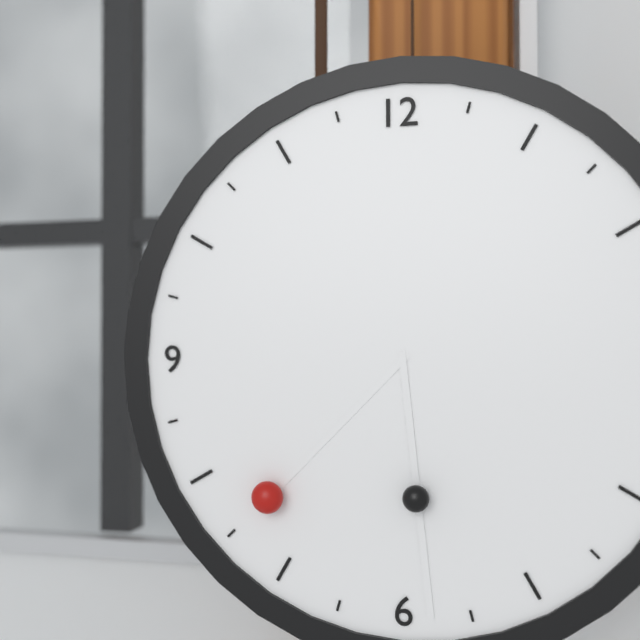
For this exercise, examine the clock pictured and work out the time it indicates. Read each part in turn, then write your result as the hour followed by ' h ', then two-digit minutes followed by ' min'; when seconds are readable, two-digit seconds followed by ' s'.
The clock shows 7 h 29 min
